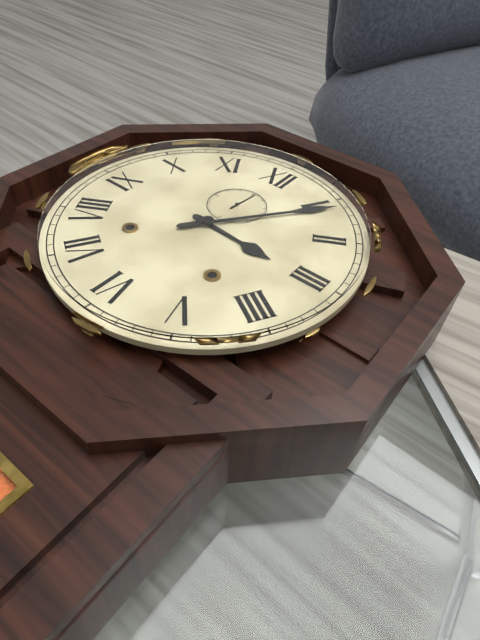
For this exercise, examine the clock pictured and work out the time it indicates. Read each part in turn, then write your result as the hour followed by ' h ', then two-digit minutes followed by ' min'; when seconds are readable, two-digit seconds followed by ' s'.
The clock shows 3 h 06 min 01 s
